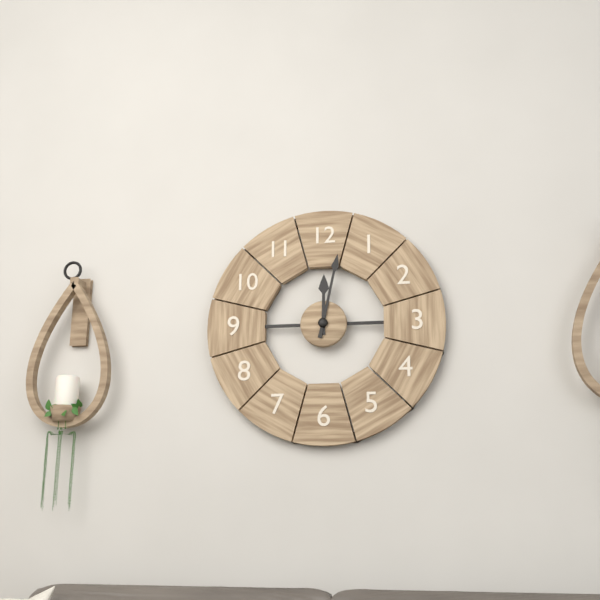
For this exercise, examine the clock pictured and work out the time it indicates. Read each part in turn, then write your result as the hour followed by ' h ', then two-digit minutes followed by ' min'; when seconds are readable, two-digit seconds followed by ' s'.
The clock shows 12 h 02 min
